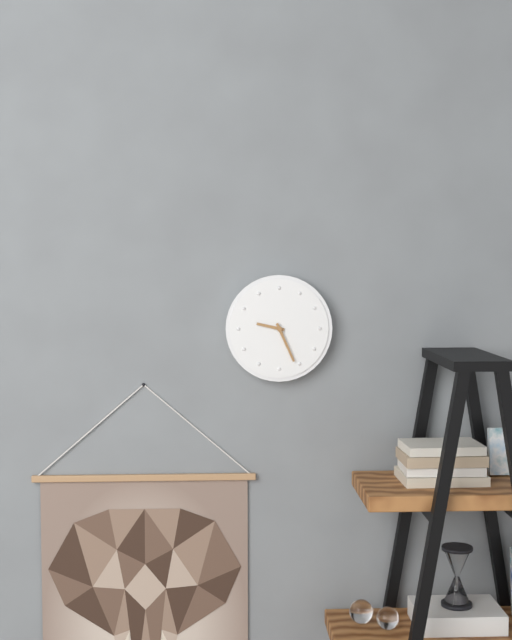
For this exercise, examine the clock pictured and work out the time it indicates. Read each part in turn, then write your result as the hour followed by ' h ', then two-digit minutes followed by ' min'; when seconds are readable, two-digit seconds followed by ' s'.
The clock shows 9 h 26 min
